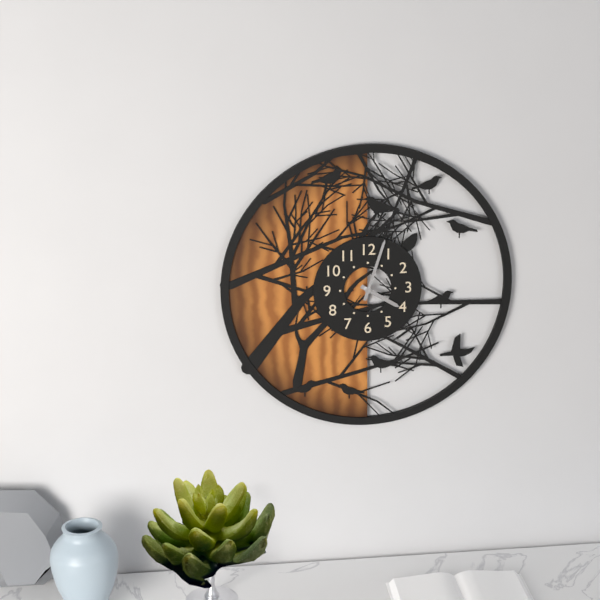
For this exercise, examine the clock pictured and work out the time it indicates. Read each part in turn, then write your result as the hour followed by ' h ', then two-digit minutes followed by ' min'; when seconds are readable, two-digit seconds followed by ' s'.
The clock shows 4 h 03 min
